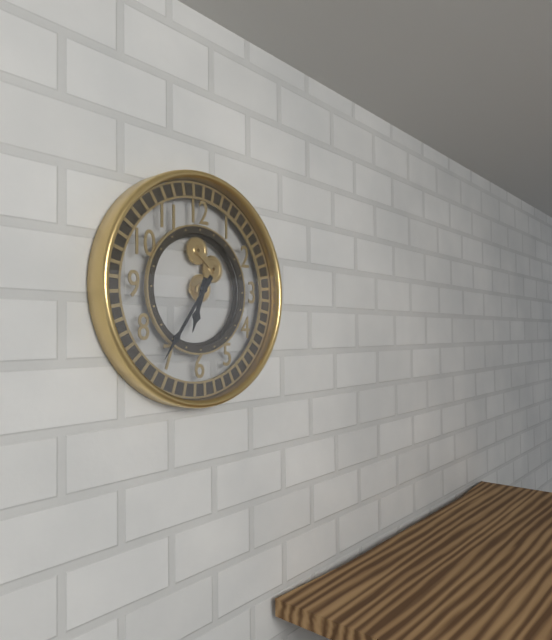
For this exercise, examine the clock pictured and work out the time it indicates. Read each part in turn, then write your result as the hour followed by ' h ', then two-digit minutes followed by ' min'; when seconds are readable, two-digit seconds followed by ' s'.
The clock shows 6 h 36 min
